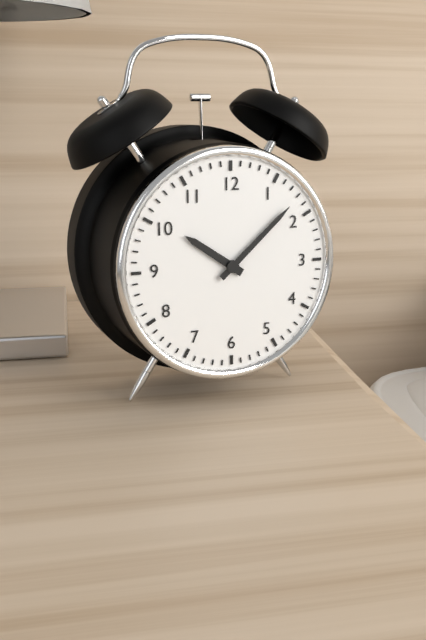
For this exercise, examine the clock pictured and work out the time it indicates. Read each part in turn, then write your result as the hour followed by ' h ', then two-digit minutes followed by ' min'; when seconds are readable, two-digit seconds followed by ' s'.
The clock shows 10 h 08 min
